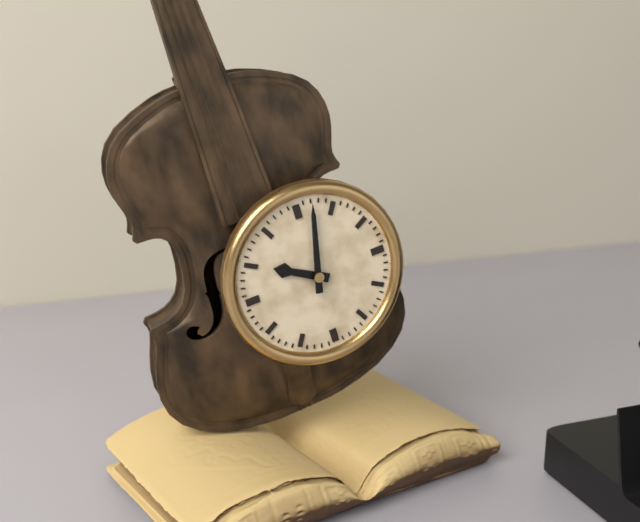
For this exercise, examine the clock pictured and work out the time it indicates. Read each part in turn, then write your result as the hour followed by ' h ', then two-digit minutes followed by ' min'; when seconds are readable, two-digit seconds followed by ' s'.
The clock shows 10 h 02 min
